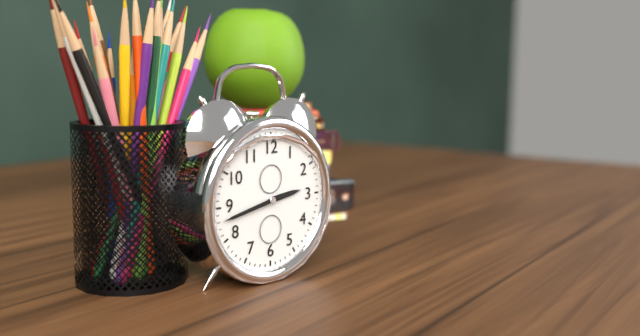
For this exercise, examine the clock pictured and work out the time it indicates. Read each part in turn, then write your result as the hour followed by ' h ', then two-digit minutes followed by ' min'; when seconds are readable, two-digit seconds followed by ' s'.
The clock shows 2 h 43 min
